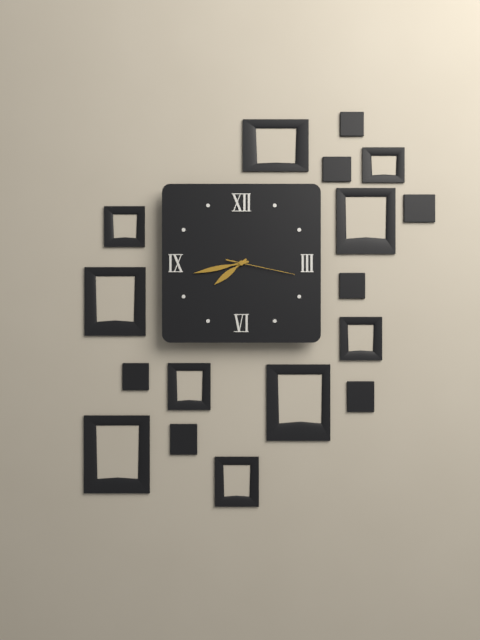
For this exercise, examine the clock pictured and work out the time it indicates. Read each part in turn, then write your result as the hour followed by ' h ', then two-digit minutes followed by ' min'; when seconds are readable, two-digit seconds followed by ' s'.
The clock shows 7 h 43 min 17 s
